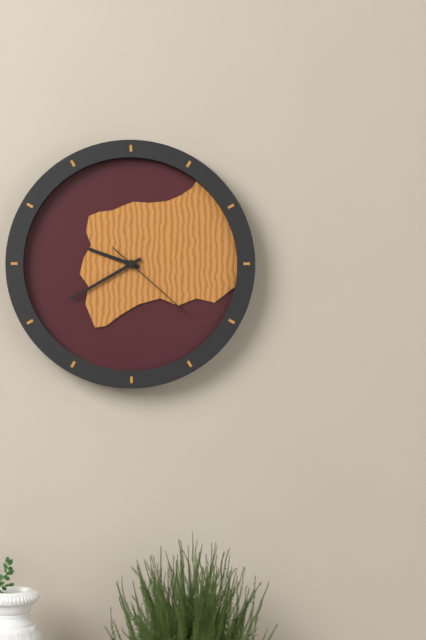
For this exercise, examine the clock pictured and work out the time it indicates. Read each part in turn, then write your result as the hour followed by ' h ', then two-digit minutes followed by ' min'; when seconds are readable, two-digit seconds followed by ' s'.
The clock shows 9 h 40 min 22 s
